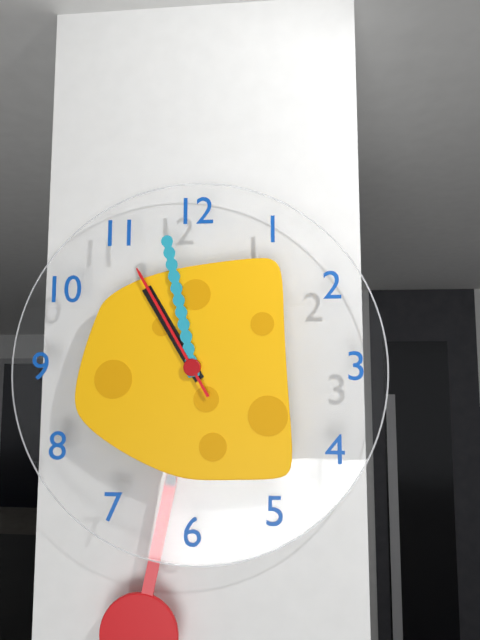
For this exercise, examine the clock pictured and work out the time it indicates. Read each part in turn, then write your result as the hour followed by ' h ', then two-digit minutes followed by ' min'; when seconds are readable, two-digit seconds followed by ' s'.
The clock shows 10 h 58 min 55 s
